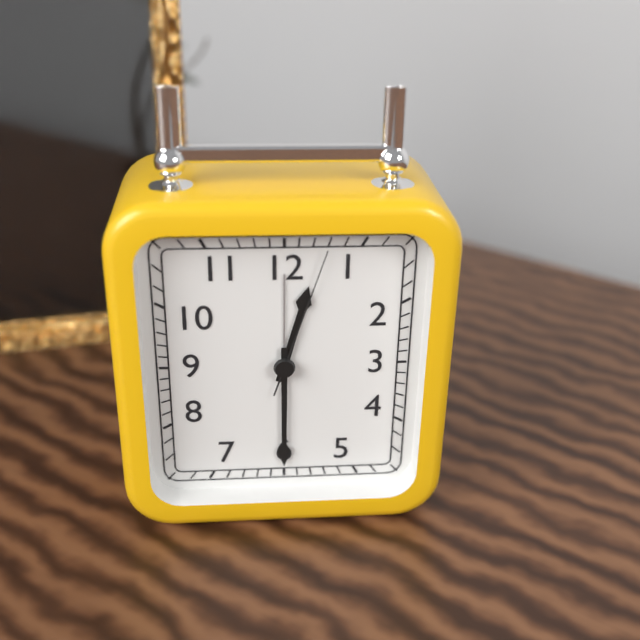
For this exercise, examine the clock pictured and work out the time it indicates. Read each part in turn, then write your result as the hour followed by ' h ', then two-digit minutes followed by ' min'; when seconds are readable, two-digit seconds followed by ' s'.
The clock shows 12 h 30 min 03 s
